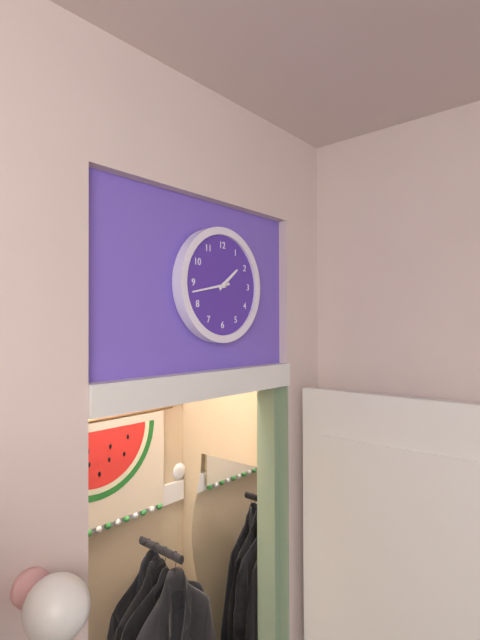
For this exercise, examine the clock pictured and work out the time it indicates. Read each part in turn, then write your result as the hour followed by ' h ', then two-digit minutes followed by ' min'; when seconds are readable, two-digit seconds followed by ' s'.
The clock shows 1 h 43 min
